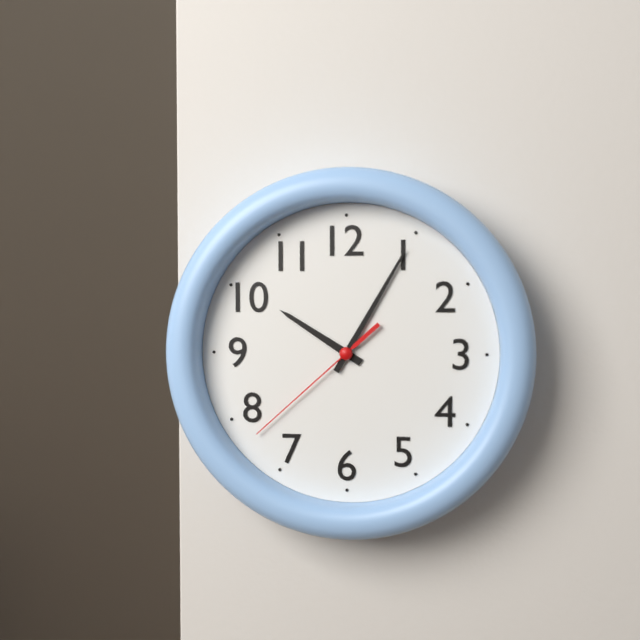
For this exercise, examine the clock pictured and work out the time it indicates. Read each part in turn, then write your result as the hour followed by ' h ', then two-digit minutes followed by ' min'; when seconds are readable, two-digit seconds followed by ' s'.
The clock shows 10 h 05 min 38 s
